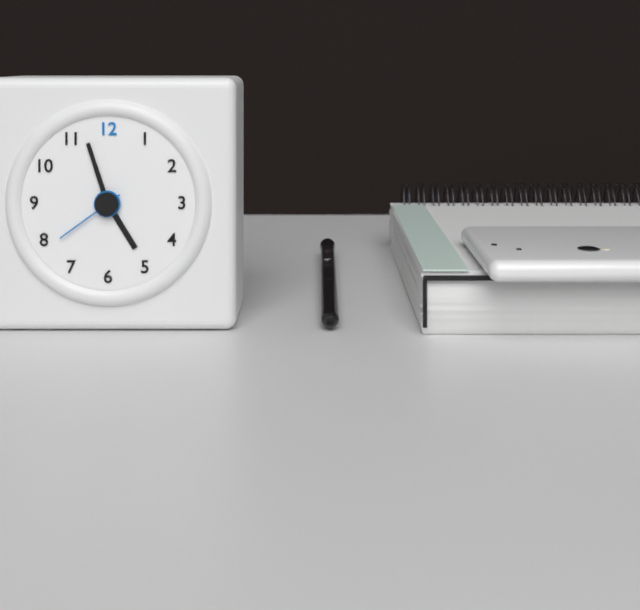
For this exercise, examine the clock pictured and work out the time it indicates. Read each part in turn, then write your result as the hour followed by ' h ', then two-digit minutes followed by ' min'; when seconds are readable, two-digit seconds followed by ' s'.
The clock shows 4 h 57 min 39 s
